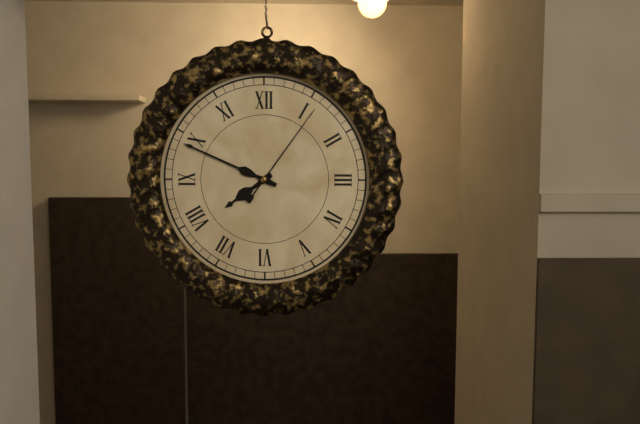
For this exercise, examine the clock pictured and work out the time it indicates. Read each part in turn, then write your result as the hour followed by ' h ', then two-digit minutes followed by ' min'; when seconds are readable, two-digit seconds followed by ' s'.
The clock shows 7 h 49 min 06 s
